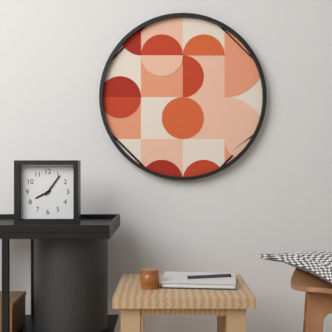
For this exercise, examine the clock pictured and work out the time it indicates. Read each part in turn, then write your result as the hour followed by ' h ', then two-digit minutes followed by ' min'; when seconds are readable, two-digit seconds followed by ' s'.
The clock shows 8 h 06 min
